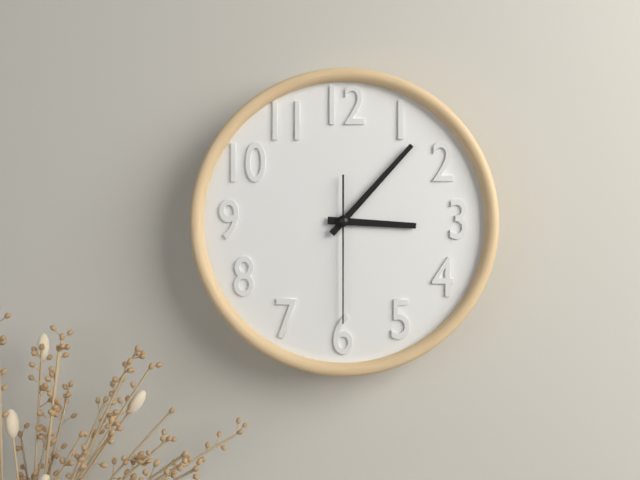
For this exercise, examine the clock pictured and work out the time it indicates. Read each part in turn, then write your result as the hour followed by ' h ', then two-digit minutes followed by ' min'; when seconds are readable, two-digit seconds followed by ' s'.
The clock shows 3 h 07 min 30 s
